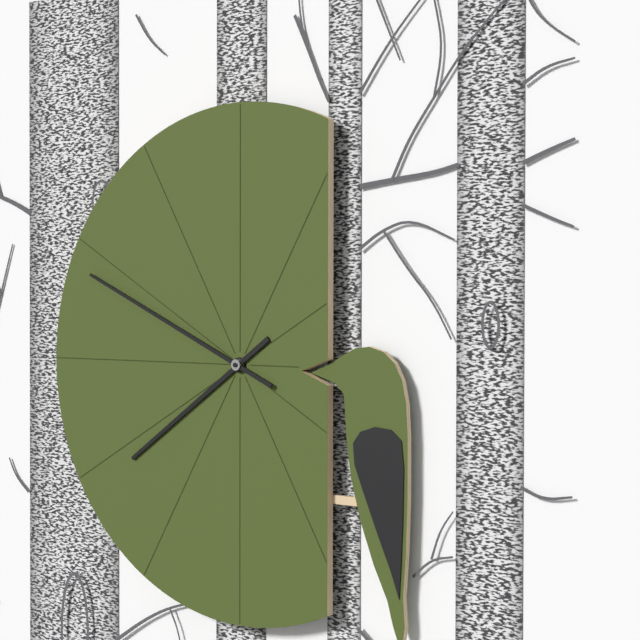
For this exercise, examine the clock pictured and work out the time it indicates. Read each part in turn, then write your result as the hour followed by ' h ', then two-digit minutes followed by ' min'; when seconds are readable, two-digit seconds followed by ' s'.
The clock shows 7 h 49 min
